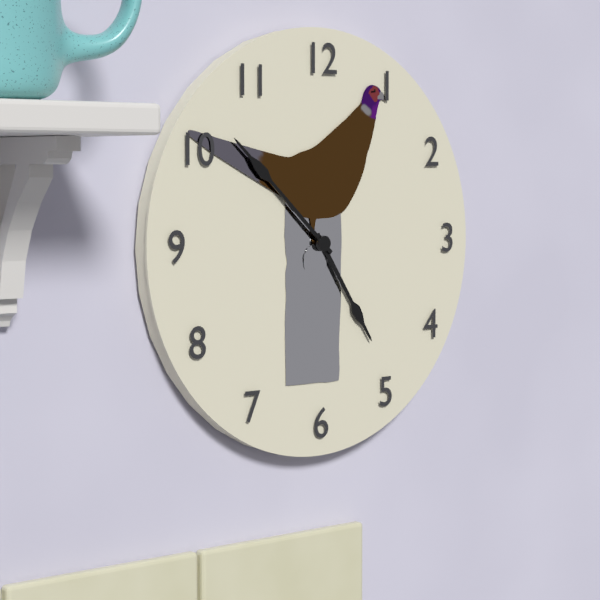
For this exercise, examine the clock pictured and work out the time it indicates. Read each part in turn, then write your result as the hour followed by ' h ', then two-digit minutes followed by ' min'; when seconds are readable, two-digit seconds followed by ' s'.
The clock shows 4 h 52 min
